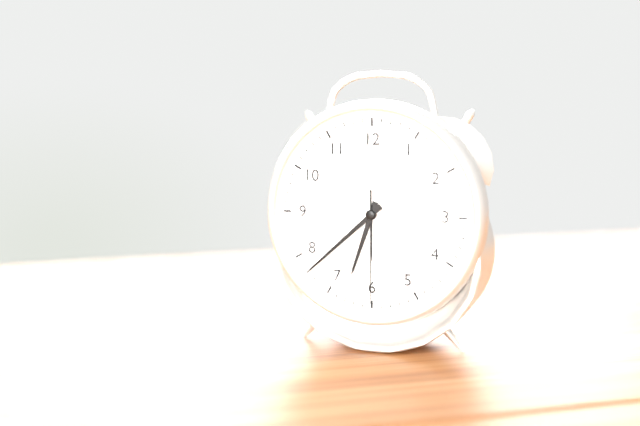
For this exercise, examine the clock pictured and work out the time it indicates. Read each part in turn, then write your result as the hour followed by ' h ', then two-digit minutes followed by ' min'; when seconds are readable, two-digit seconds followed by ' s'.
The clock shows 6 h 38 min 30 s
